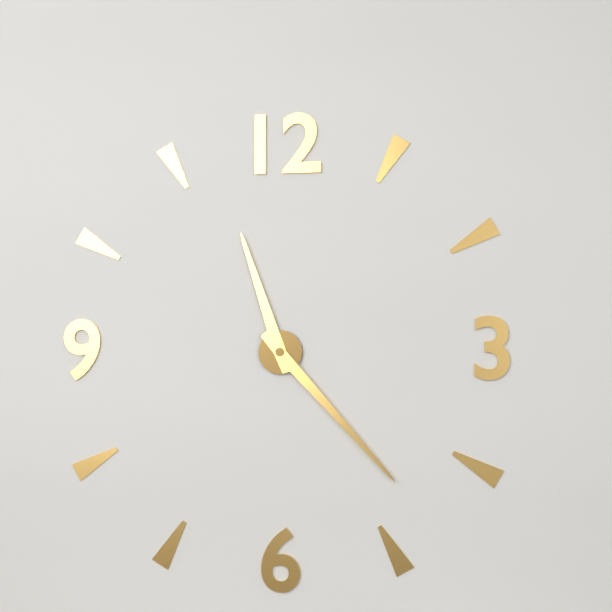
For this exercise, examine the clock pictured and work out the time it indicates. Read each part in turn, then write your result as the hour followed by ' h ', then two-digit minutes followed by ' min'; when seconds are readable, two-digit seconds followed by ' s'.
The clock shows 11 h 23 min
